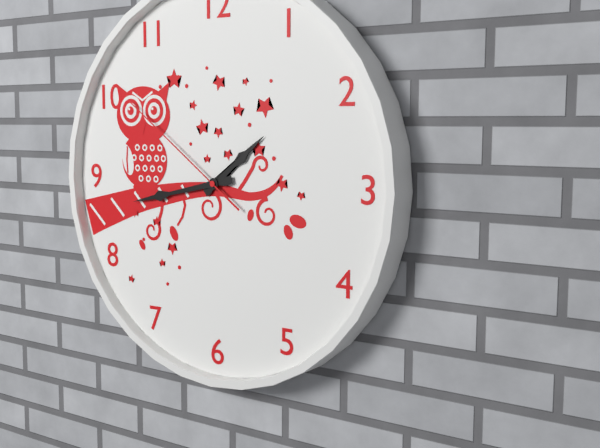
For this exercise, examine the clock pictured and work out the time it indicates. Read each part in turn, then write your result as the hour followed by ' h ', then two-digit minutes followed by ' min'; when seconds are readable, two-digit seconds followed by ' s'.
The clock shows 1 h 43 min 51 s
